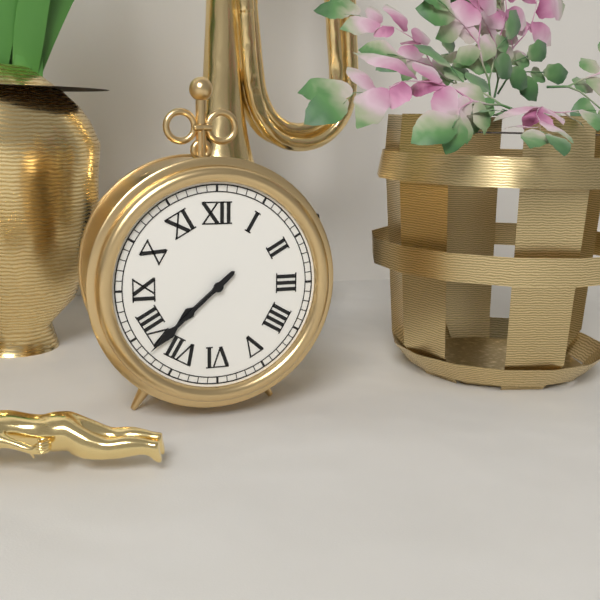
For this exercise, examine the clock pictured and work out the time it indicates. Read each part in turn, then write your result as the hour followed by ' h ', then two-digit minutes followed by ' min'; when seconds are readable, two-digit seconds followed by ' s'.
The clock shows 7 h 38 min
